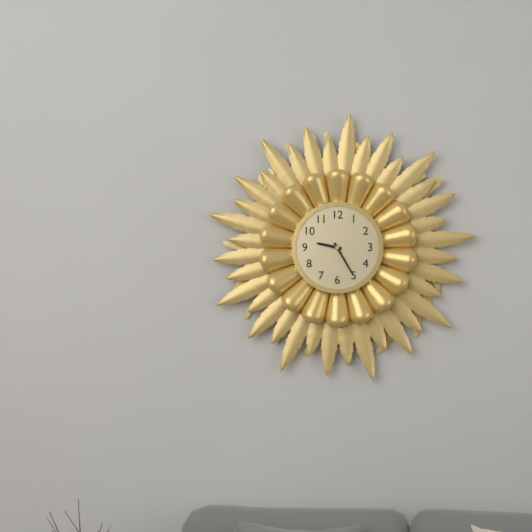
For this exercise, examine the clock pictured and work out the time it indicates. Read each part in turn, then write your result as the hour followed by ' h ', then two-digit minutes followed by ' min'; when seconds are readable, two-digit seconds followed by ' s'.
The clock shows 9 h 25 min
